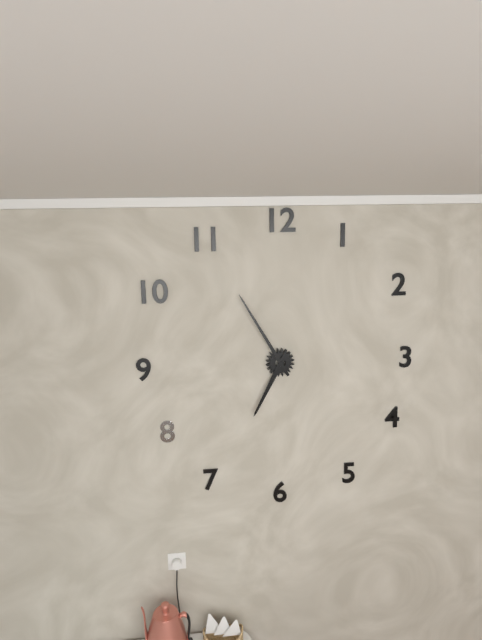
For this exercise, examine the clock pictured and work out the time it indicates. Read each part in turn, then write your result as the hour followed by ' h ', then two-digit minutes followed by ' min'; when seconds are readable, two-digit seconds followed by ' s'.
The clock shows 6 h 55 min
